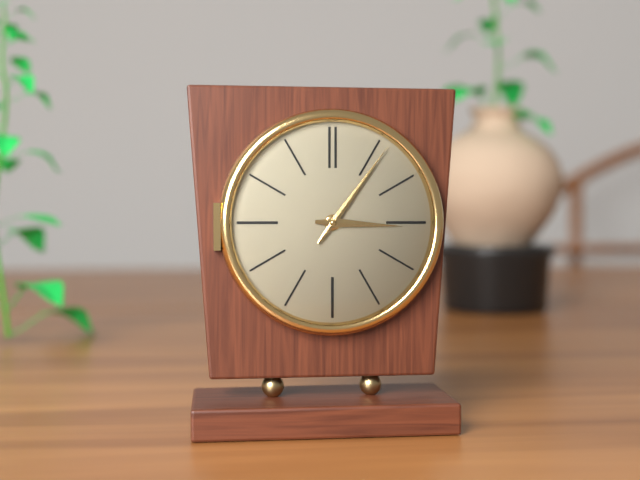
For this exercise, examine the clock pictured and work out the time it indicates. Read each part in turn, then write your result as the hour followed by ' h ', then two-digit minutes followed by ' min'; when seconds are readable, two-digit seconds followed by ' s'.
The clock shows 3 h 06 min
